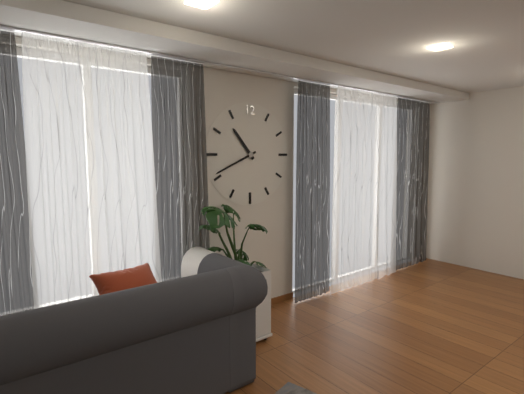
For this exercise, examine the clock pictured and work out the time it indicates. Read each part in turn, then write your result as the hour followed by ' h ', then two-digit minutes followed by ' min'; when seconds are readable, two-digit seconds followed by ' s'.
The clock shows 10 h 41 min
